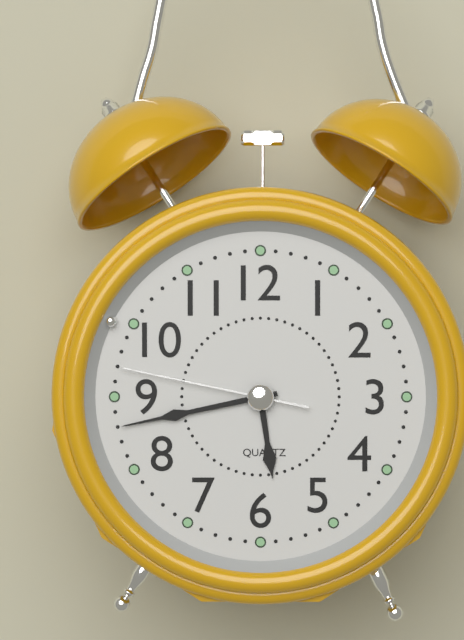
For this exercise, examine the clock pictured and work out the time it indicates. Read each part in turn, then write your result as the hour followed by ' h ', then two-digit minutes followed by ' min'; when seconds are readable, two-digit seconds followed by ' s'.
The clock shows 5 h 43 min 47 s
